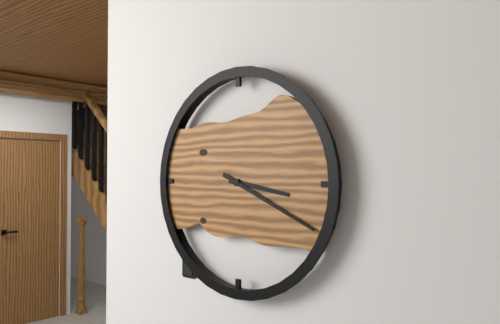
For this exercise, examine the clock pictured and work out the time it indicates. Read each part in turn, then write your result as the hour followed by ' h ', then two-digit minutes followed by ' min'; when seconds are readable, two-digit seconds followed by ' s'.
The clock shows 3 h 19 min
